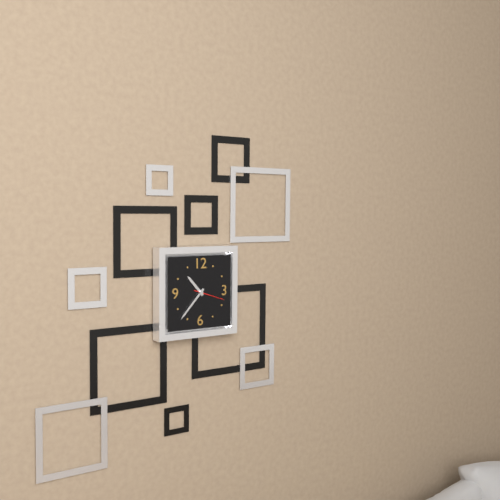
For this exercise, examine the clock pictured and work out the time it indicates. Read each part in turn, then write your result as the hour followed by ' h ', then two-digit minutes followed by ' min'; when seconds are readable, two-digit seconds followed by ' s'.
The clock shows 10 h 37 min
